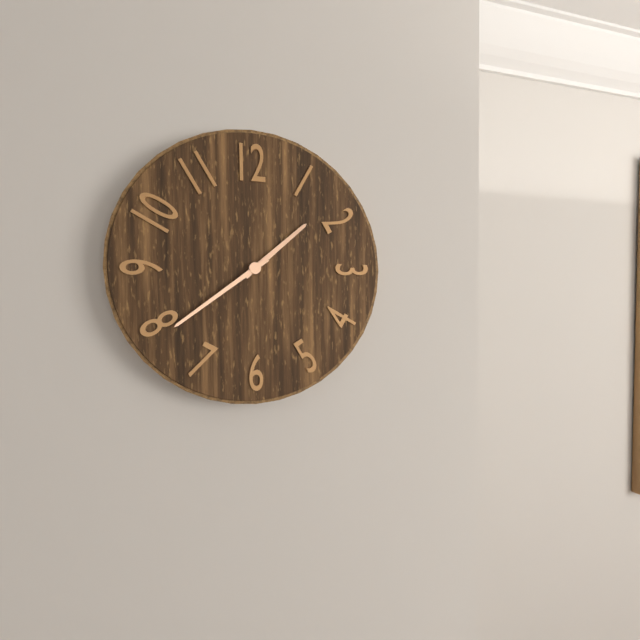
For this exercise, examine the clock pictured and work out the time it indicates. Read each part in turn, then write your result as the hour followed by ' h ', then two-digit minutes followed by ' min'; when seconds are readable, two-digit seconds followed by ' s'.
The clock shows 1 h 39 min
